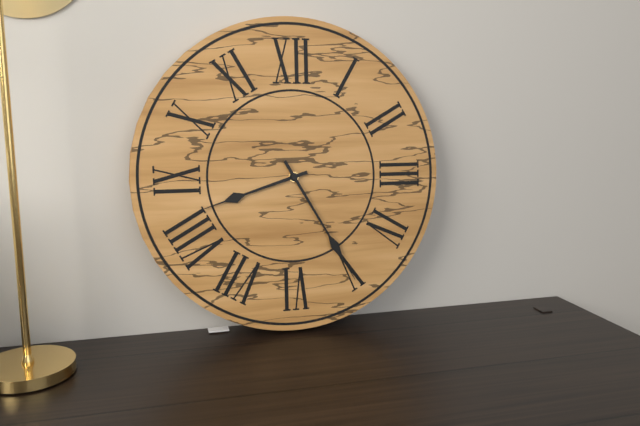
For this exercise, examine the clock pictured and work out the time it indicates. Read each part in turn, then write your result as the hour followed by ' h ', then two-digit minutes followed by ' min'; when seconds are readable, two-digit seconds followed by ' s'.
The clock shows 8 h 25 min
